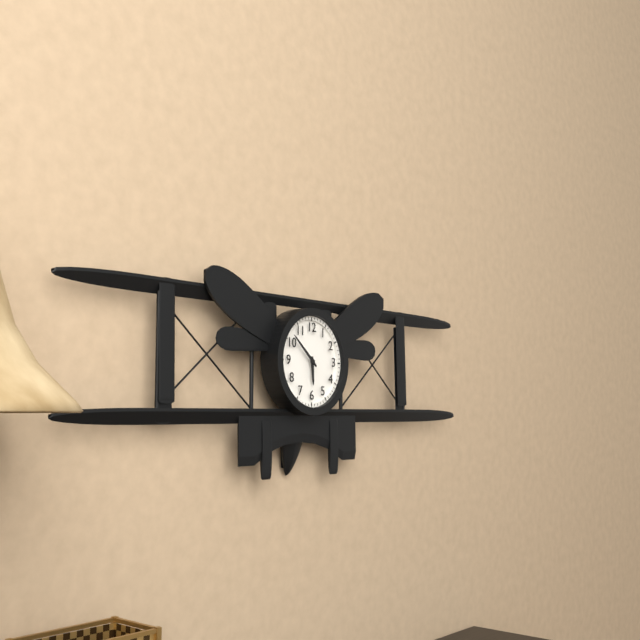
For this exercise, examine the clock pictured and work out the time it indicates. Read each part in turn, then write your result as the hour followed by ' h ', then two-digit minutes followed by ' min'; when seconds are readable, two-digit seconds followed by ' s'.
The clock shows 5 h 52 min
